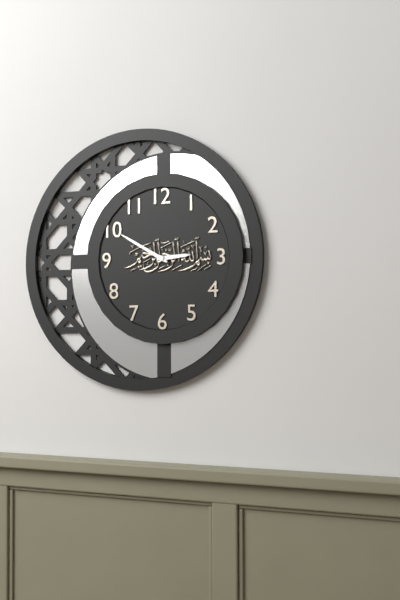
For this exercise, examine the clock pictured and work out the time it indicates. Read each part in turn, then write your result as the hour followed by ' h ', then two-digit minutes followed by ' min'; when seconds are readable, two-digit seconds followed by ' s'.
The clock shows 2 h 50 min
